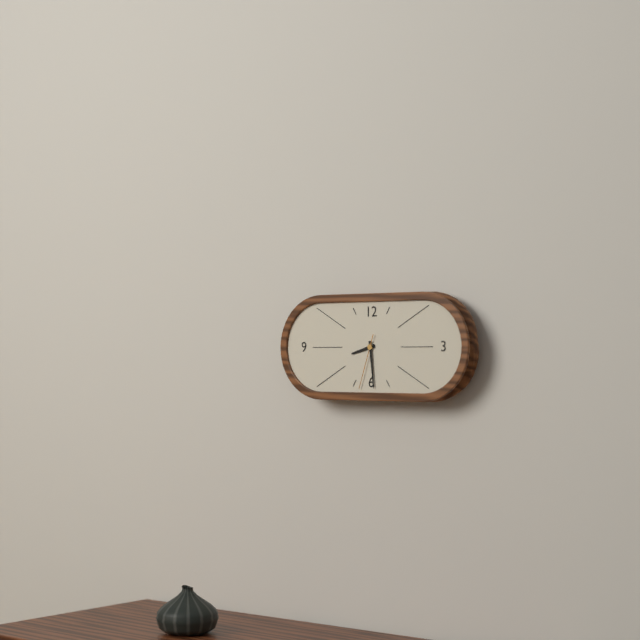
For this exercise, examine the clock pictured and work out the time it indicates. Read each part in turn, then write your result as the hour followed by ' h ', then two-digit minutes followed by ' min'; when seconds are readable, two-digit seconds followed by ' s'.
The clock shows 8 h 29 min 33 s
